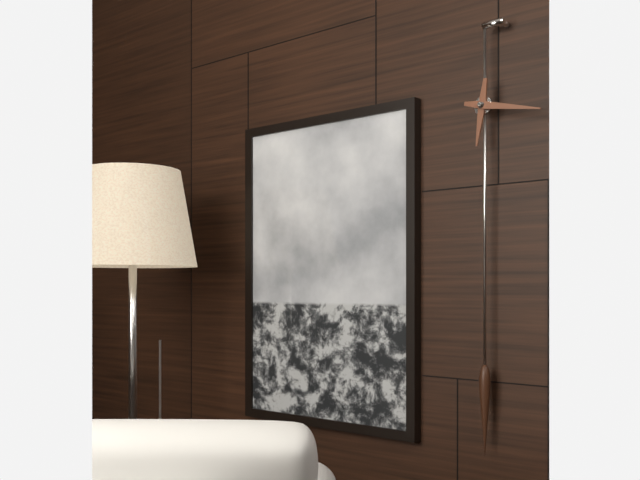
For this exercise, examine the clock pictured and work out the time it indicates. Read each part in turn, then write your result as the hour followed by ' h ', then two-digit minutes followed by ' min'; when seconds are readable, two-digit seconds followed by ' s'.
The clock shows 6 h 17 min
